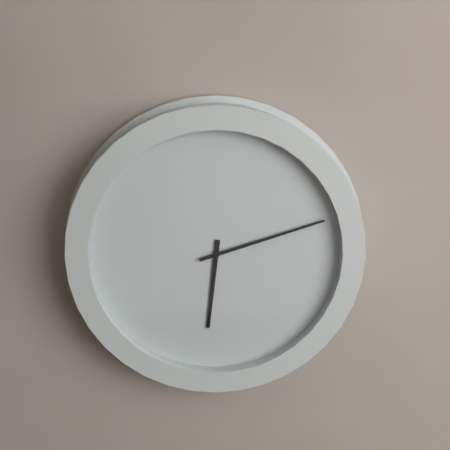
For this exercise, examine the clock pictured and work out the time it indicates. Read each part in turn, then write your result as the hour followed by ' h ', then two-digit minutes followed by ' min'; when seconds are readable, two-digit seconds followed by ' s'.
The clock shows 6 h 12 min
